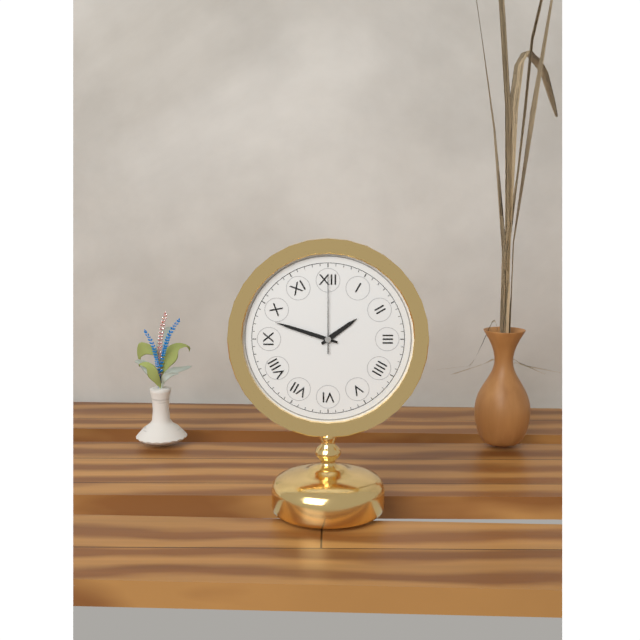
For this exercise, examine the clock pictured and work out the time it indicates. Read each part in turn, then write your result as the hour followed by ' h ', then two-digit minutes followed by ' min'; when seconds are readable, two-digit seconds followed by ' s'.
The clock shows 1 h 48 min 00 s
